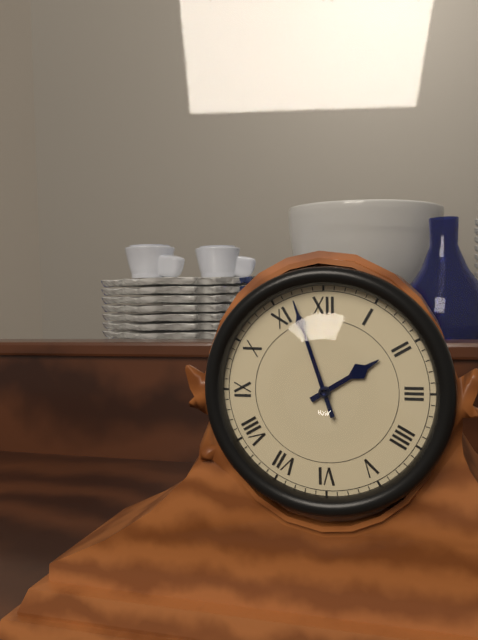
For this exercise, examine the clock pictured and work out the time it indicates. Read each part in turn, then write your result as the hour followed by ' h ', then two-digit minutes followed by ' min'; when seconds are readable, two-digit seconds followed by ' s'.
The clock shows 1 h 57 min
